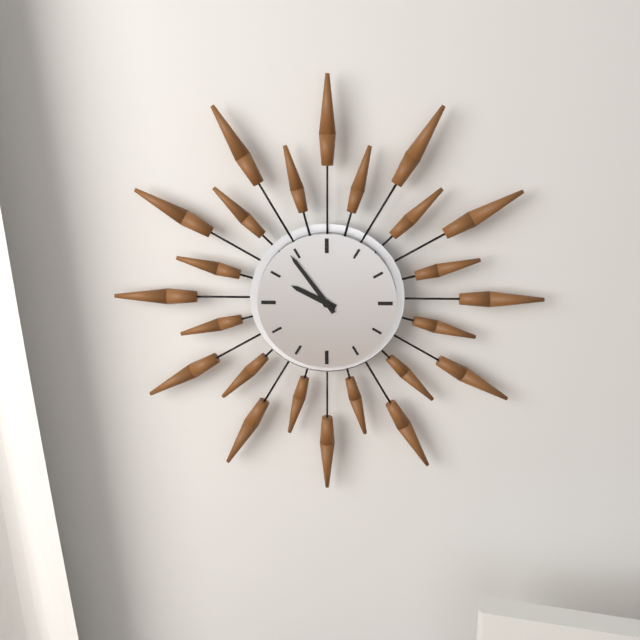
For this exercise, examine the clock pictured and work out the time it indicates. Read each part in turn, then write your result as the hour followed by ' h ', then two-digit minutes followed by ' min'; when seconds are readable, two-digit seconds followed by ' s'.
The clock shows 9 h 54 min
